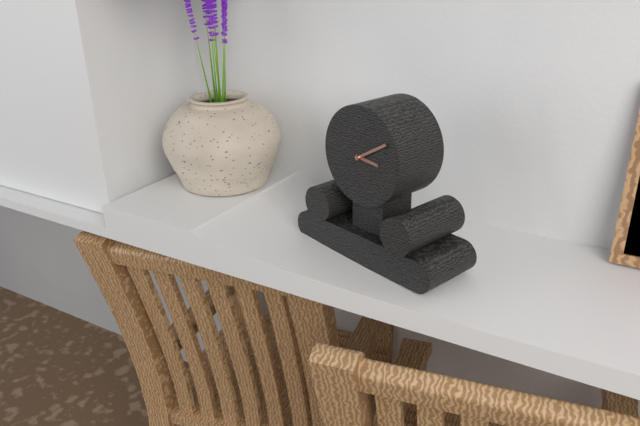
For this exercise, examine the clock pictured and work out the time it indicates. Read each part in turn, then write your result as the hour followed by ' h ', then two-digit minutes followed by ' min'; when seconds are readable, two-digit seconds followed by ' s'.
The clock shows 3 h 10 min
